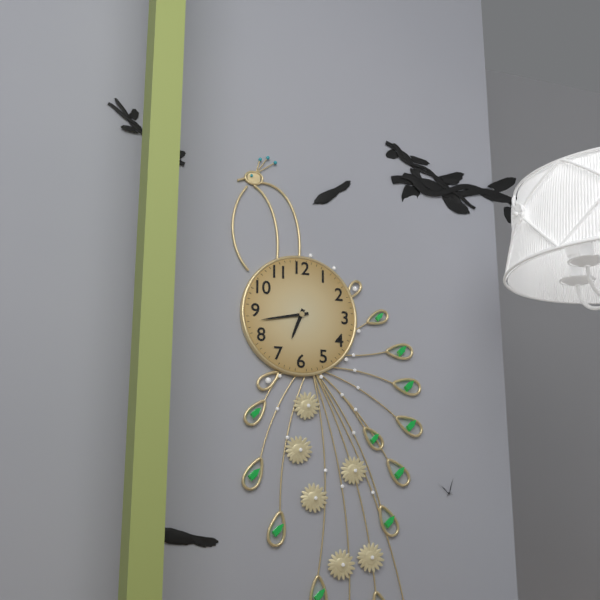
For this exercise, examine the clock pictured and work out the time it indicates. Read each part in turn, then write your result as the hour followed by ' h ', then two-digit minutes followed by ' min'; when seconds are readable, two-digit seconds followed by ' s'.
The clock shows 6 h 43 min
